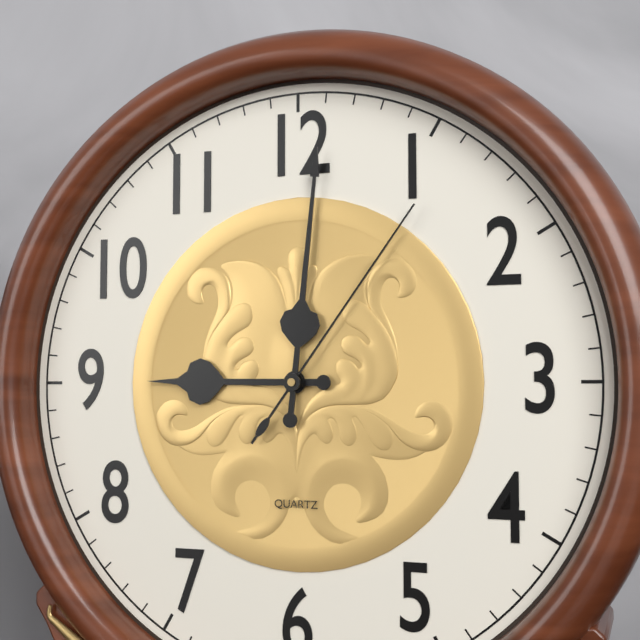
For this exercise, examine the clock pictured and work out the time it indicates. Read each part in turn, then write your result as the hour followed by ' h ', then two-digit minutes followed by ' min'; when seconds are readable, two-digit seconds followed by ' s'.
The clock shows 9 h 01 min 06 s
